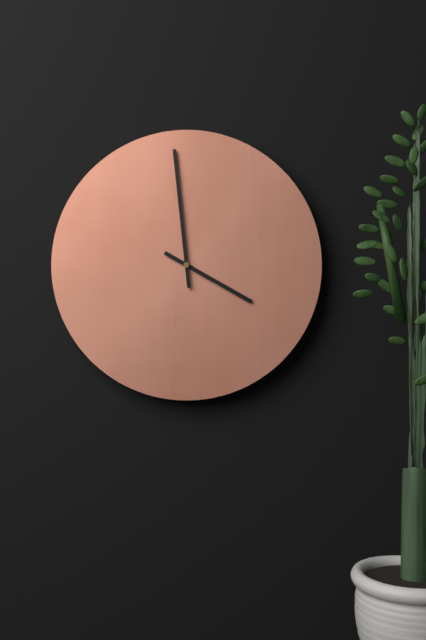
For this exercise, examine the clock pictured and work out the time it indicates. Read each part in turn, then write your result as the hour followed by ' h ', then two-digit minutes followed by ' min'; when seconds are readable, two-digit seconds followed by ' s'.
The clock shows 3 h 59 min
